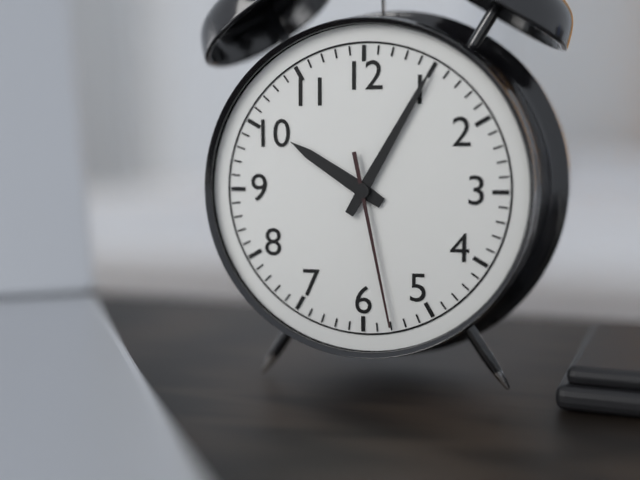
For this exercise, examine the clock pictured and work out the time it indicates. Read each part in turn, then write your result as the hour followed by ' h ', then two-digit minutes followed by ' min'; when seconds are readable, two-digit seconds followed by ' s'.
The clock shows 10 h 05 min 28 s
